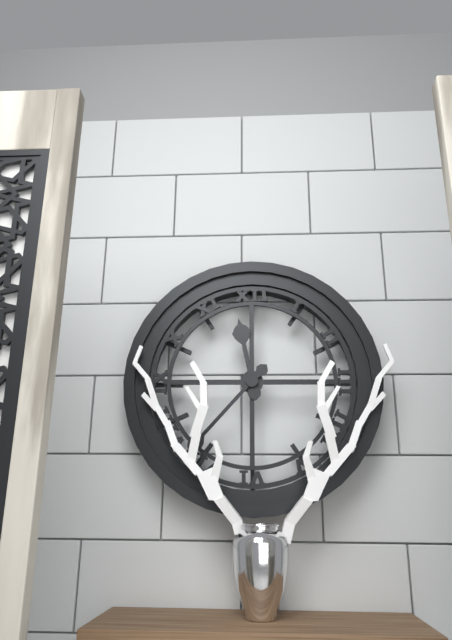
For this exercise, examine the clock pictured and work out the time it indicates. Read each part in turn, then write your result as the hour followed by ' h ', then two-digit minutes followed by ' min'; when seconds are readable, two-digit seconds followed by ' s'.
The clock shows 11 h 37 min
